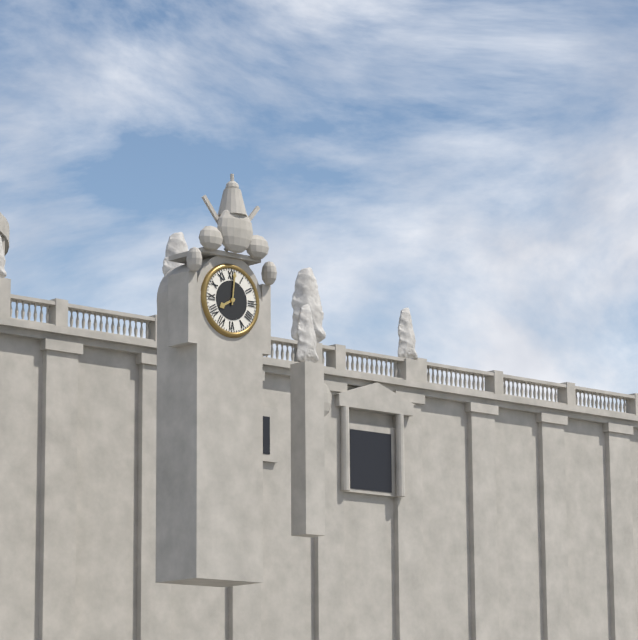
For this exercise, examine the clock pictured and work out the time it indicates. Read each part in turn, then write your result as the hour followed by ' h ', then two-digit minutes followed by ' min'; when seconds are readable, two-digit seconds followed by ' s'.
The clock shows 8 h 01 min
